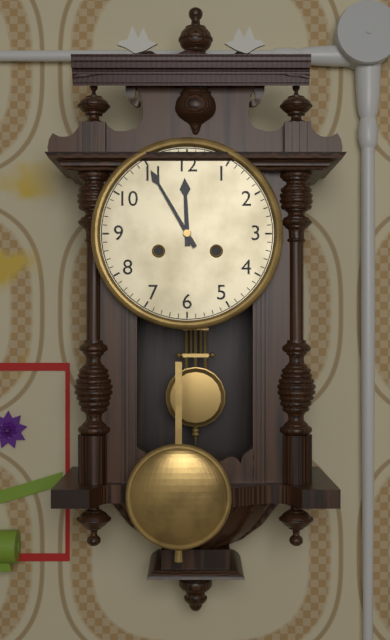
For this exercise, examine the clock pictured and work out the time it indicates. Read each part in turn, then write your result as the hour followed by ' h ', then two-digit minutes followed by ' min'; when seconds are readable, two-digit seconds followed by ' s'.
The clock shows 11 h 55 min
